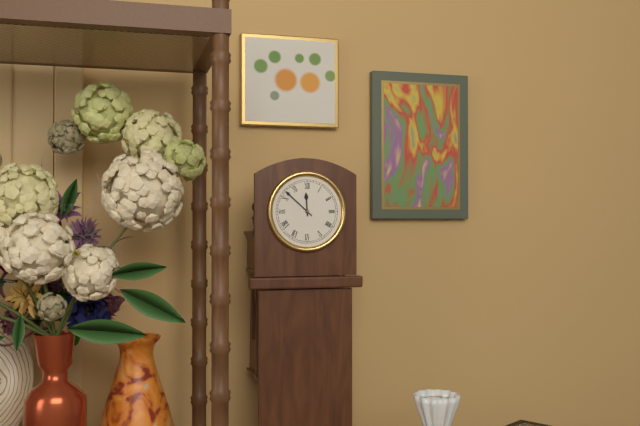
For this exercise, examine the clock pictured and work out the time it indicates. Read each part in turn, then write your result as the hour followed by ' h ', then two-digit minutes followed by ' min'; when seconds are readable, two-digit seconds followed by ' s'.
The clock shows 11 h 52 min
